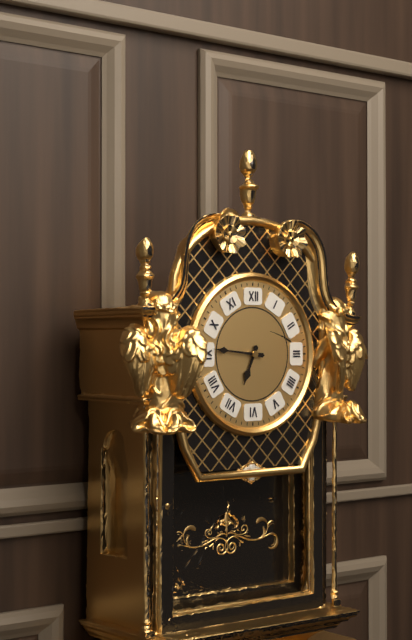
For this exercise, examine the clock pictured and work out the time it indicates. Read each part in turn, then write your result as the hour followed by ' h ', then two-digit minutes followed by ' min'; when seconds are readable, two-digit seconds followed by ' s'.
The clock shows 6 h 46 min
